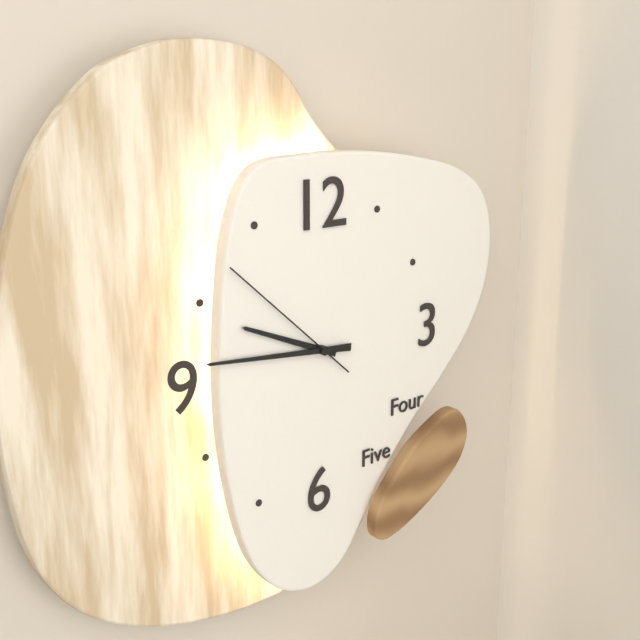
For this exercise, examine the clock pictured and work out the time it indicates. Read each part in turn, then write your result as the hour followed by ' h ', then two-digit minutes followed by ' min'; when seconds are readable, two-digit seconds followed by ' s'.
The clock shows 9 h 46 min 52 s
